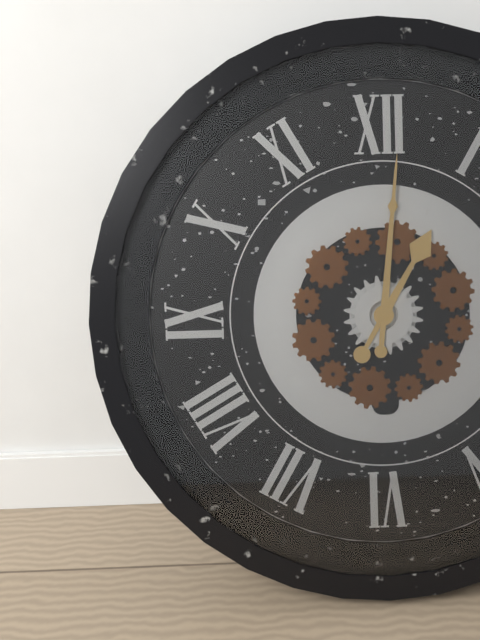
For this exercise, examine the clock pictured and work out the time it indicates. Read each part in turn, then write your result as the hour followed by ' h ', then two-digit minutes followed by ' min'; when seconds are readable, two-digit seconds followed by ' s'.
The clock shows 1 h 01 min
